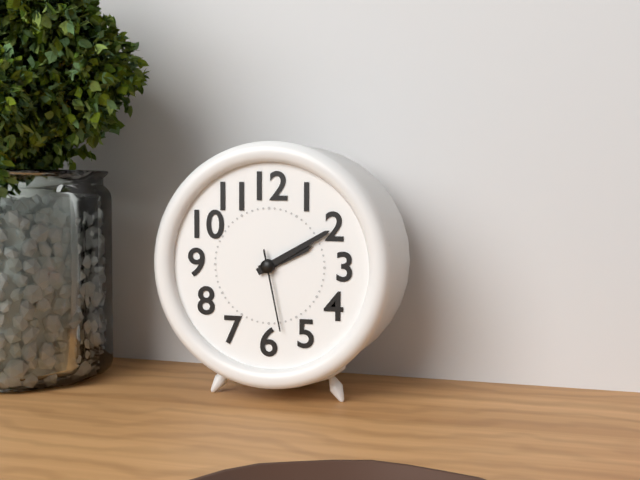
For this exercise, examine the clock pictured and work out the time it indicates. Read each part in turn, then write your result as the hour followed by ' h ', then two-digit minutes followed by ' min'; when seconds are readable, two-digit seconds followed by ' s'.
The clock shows 2 h 10 min 28 s
